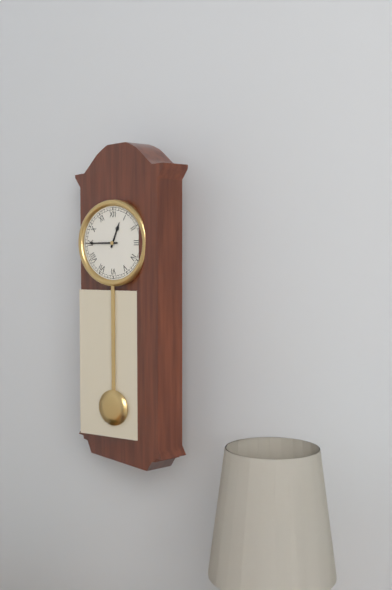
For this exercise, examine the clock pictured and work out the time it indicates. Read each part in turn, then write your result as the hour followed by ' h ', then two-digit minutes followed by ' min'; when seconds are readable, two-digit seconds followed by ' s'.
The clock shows 12 h 45 min
